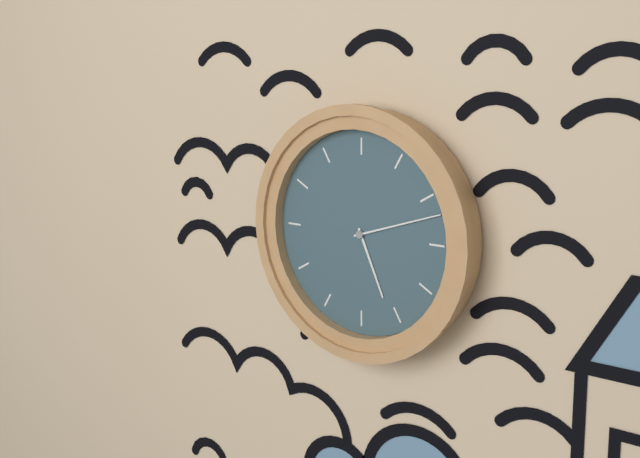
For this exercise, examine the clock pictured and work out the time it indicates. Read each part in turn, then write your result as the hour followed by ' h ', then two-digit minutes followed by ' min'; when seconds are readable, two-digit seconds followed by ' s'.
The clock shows 5 h 12 min
